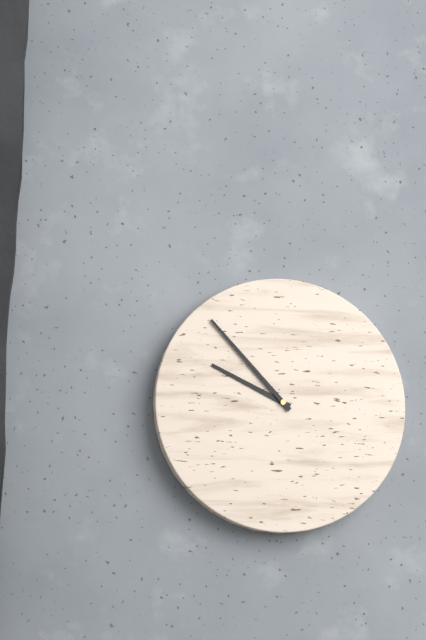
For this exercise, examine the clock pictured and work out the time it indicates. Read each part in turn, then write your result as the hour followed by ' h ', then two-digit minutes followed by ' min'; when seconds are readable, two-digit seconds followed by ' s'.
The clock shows 9 h 53 min
